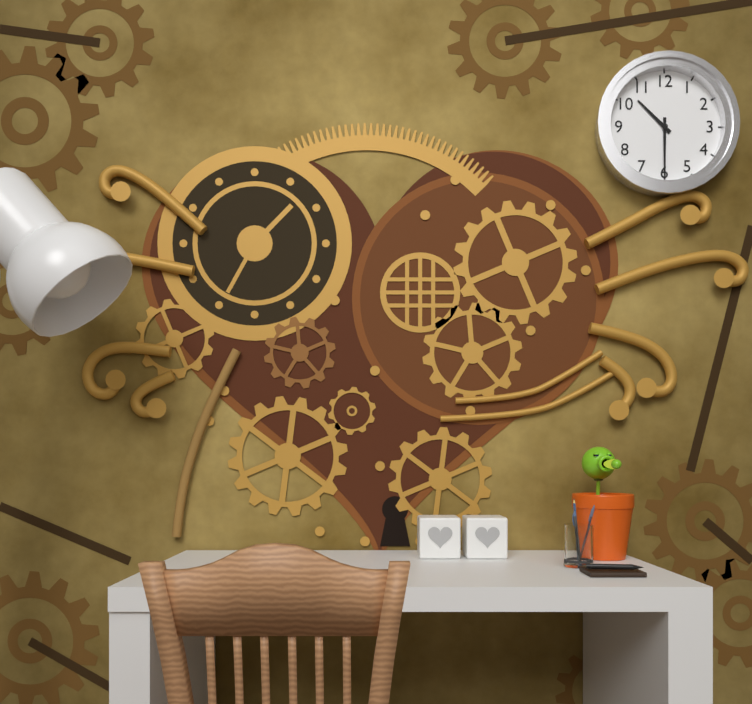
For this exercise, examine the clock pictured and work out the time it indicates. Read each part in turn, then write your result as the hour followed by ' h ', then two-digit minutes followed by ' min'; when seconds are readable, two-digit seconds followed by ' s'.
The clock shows 10 h 30 min
